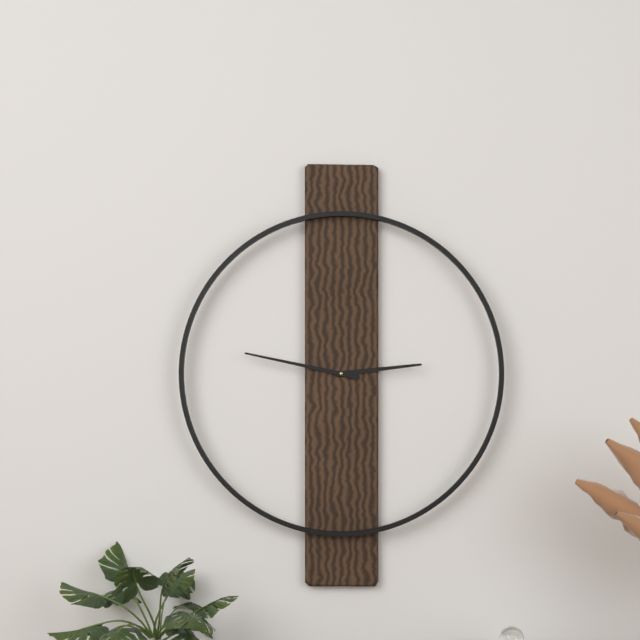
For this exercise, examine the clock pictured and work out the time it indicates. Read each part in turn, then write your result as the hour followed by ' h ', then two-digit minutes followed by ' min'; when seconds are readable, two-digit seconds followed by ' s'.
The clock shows 2 h 47 min
